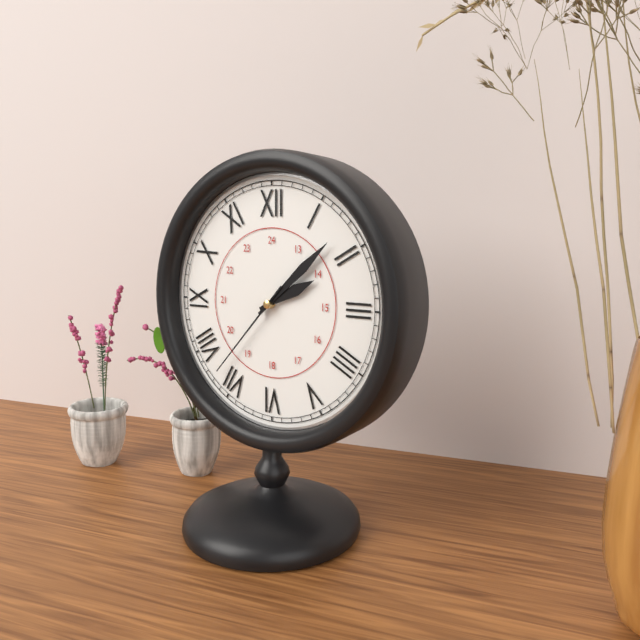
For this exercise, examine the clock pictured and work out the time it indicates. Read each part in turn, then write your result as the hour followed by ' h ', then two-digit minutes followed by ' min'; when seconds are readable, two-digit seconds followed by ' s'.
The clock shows 2 h 08 min 37 s
